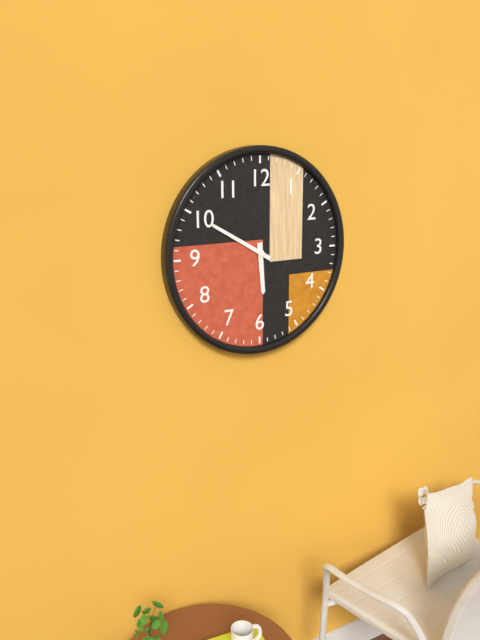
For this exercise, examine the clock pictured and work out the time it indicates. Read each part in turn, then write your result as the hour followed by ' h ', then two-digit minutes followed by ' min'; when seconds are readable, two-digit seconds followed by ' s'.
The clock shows 5 h 50 min
